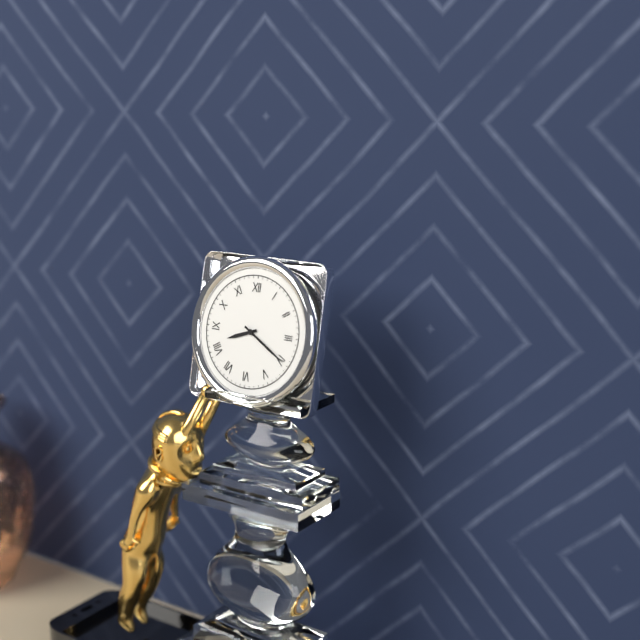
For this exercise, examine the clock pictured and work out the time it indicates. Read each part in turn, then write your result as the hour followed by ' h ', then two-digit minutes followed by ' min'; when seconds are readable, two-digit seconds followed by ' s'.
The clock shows 8 h 20 min
